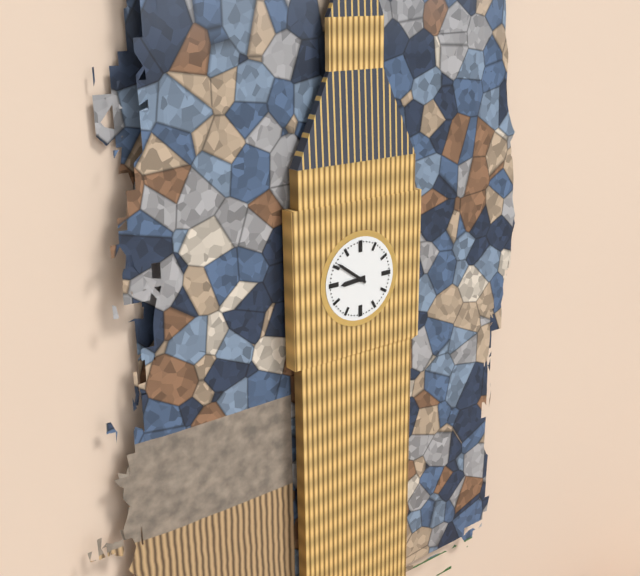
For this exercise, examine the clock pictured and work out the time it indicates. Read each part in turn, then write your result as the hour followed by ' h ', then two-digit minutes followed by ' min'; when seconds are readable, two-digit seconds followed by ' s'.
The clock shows 8 h 51 min
